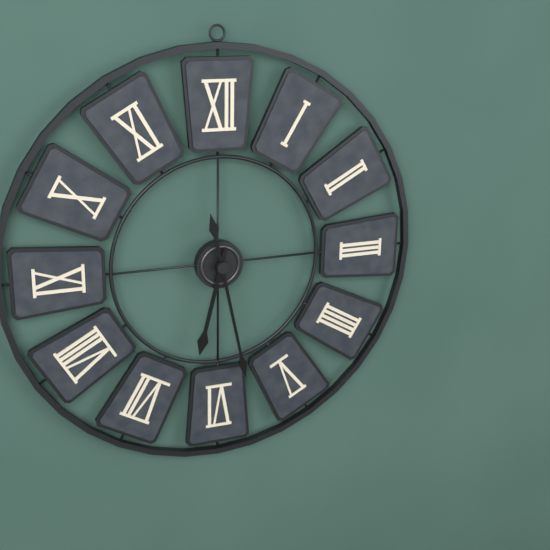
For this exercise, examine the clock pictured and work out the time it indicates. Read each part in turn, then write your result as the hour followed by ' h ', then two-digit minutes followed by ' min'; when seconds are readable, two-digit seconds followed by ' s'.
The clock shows 6 h 28 min
